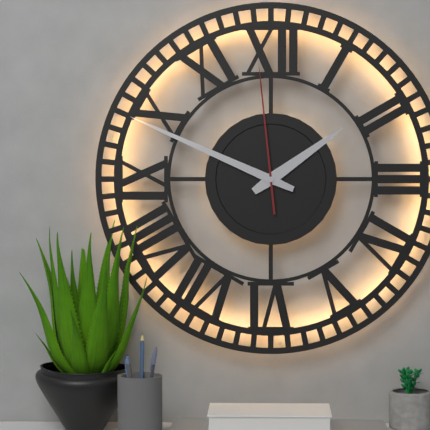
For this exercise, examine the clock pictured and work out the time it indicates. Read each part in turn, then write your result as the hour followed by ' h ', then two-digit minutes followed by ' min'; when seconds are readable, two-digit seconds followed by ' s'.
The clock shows 1 h 49 min 59 s
